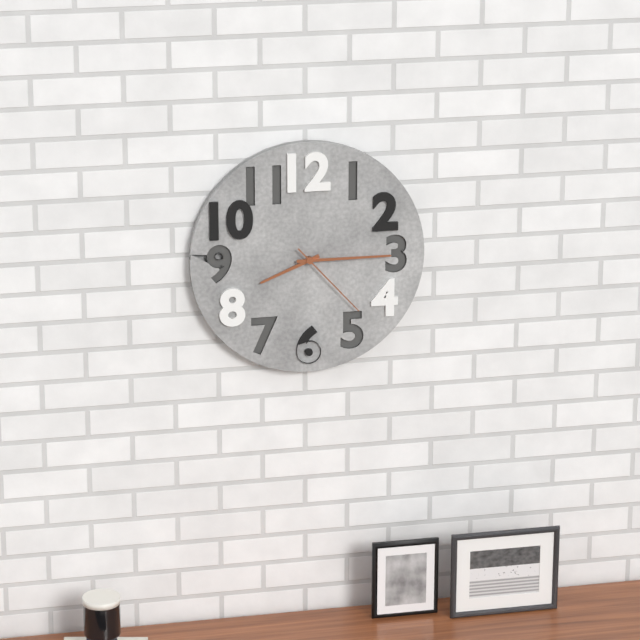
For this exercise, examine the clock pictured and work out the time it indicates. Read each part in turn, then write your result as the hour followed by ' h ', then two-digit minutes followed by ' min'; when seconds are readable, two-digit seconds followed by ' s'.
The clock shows 8 h 15 min 23 s
